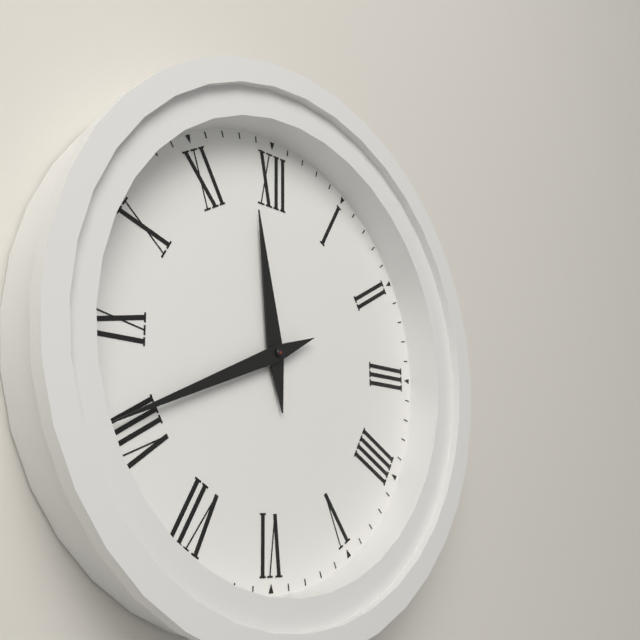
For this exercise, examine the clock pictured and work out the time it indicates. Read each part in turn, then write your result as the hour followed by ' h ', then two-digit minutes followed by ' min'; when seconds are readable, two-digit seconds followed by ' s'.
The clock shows 11 h 41 min
